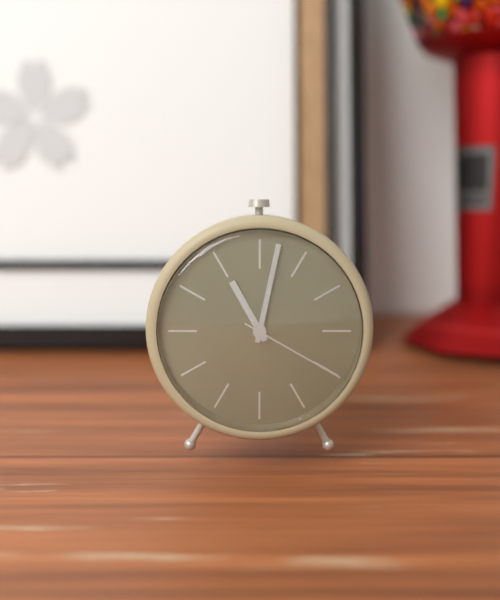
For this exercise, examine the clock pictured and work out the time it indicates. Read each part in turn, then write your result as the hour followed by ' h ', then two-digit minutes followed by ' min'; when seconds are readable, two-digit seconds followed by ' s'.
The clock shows 11 h 02 min 20 s
